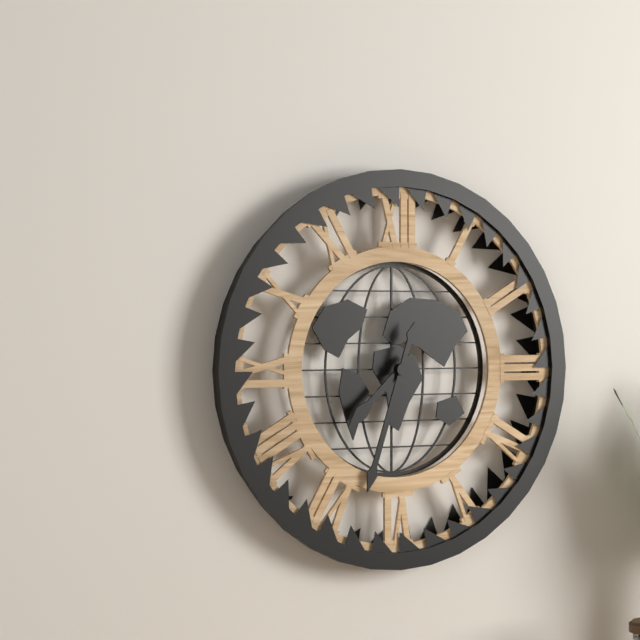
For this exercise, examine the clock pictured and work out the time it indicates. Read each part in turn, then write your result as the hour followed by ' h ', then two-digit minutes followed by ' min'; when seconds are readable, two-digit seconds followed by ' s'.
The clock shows 7 h 33 min
